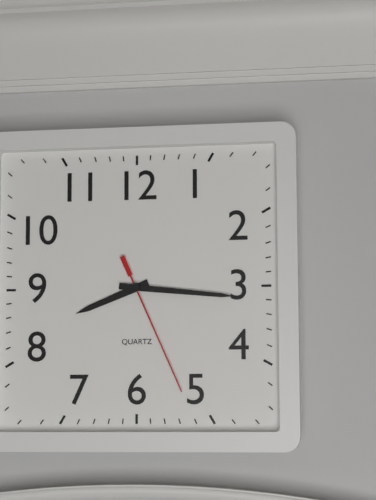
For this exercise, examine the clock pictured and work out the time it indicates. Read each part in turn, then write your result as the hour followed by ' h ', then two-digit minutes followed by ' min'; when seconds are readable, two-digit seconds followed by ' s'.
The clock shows 8 h 16 min 26 s
